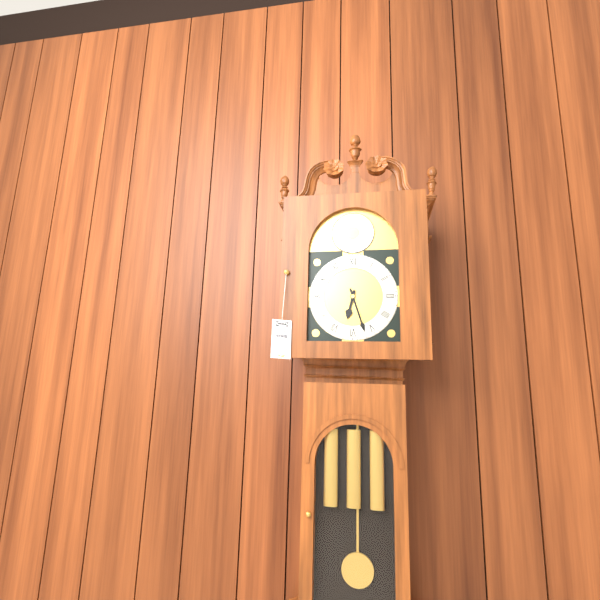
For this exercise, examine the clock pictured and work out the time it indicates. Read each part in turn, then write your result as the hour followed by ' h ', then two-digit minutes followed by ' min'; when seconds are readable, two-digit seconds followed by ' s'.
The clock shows 6 h 27 min
